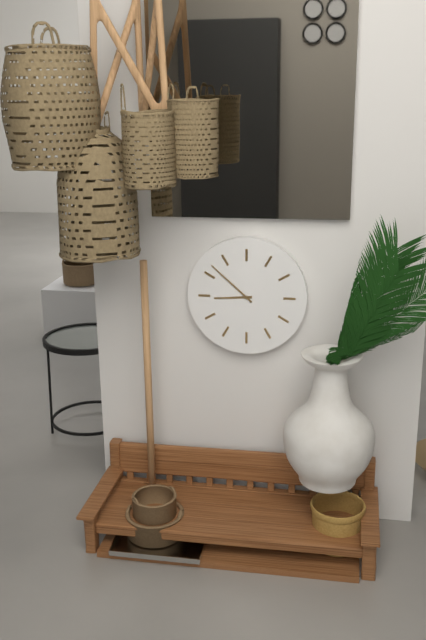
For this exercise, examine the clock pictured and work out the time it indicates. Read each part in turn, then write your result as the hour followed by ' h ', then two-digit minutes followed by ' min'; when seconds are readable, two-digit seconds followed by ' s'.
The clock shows 8 h 52 min
